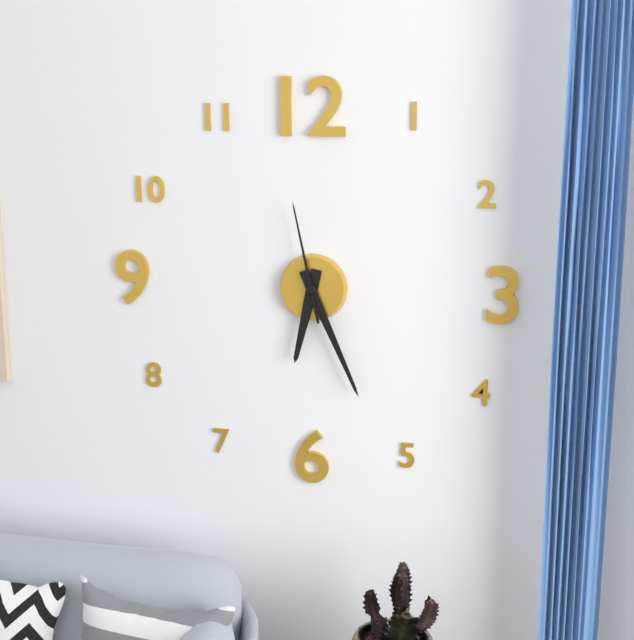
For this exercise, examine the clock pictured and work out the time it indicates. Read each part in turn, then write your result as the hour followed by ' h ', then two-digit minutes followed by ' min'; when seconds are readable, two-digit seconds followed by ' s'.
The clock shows 6 h 26 min 58 s
